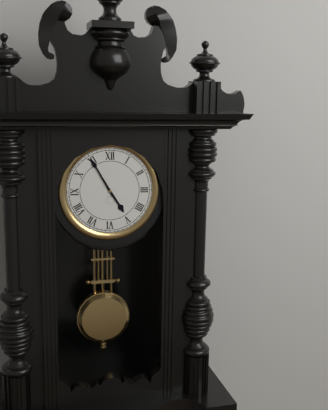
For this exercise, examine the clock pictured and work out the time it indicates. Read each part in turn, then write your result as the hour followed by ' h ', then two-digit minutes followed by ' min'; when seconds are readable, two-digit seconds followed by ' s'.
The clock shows 4 h 55 min
